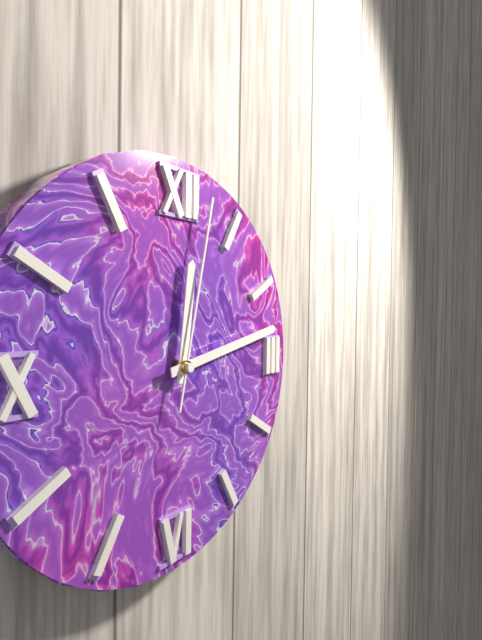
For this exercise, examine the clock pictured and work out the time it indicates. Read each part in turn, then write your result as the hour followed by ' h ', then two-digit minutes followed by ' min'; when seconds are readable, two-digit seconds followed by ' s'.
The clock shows 12 h 13 min 02 s
